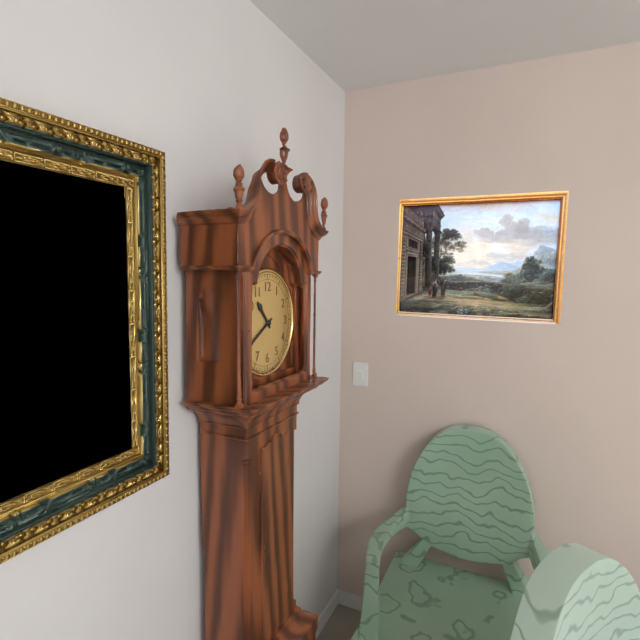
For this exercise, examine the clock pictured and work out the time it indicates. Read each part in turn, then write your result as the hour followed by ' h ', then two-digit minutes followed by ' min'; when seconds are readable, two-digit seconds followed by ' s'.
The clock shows 10 h 40 min
